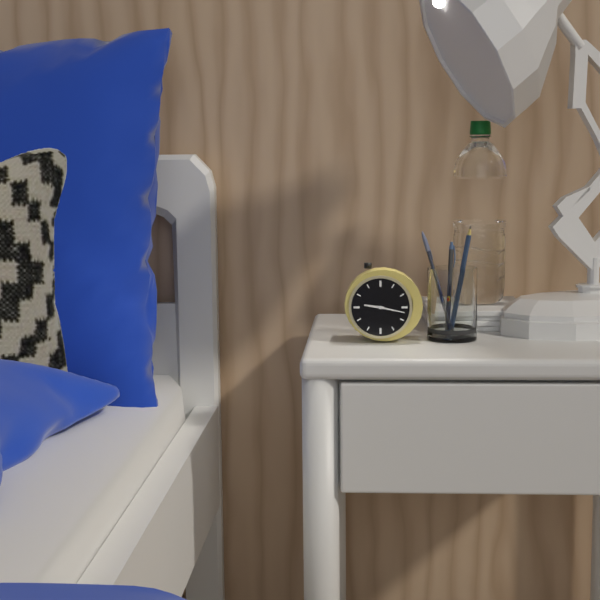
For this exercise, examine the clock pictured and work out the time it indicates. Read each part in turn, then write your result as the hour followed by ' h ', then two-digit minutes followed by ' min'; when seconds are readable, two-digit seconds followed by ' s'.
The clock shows 9 h 17 min
